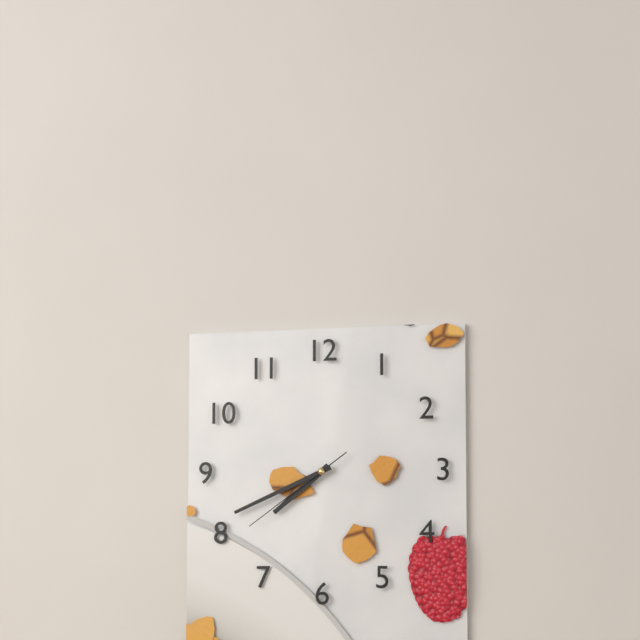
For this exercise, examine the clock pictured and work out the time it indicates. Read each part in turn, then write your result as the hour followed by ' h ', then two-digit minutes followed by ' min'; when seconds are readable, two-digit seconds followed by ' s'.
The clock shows 7 h 41 min 39 s
